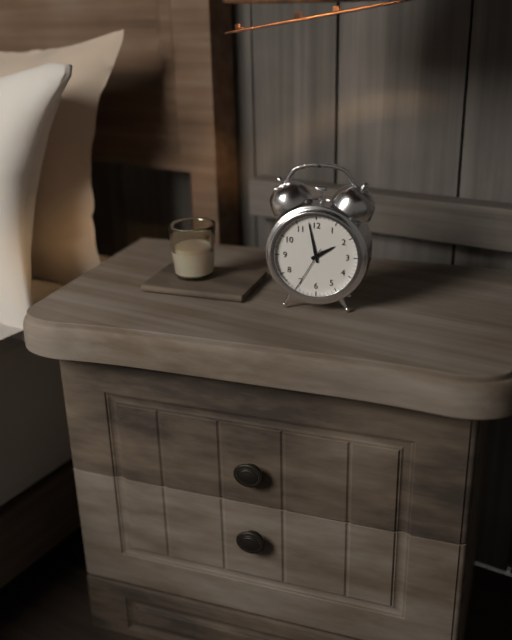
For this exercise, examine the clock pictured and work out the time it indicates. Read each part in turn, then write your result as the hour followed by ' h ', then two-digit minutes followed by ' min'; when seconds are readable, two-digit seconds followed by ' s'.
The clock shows 1 h 58 min
